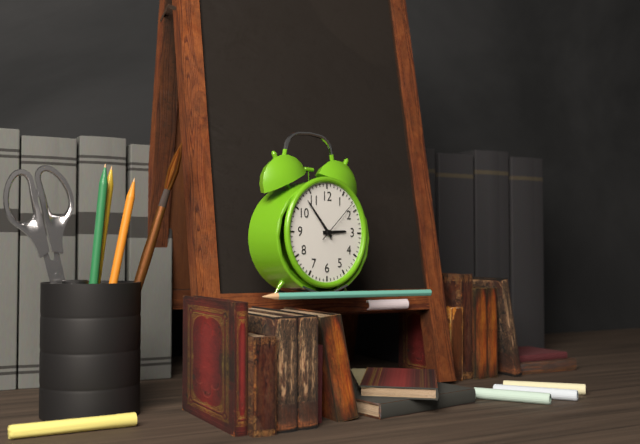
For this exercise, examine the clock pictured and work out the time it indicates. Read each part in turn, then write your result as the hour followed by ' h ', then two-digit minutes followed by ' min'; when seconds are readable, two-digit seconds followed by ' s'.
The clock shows 2 h 53 min
